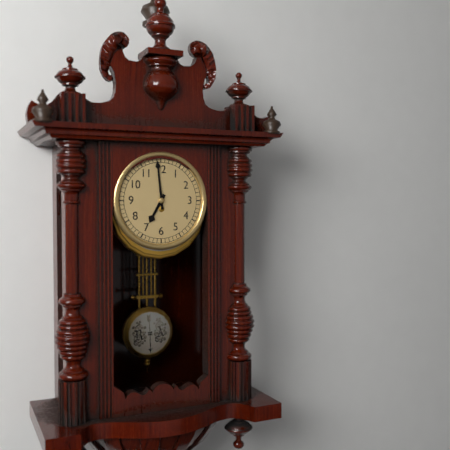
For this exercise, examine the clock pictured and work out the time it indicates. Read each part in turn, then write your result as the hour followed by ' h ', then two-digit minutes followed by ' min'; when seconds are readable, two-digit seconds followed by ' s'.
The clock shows 6 h 59 min
